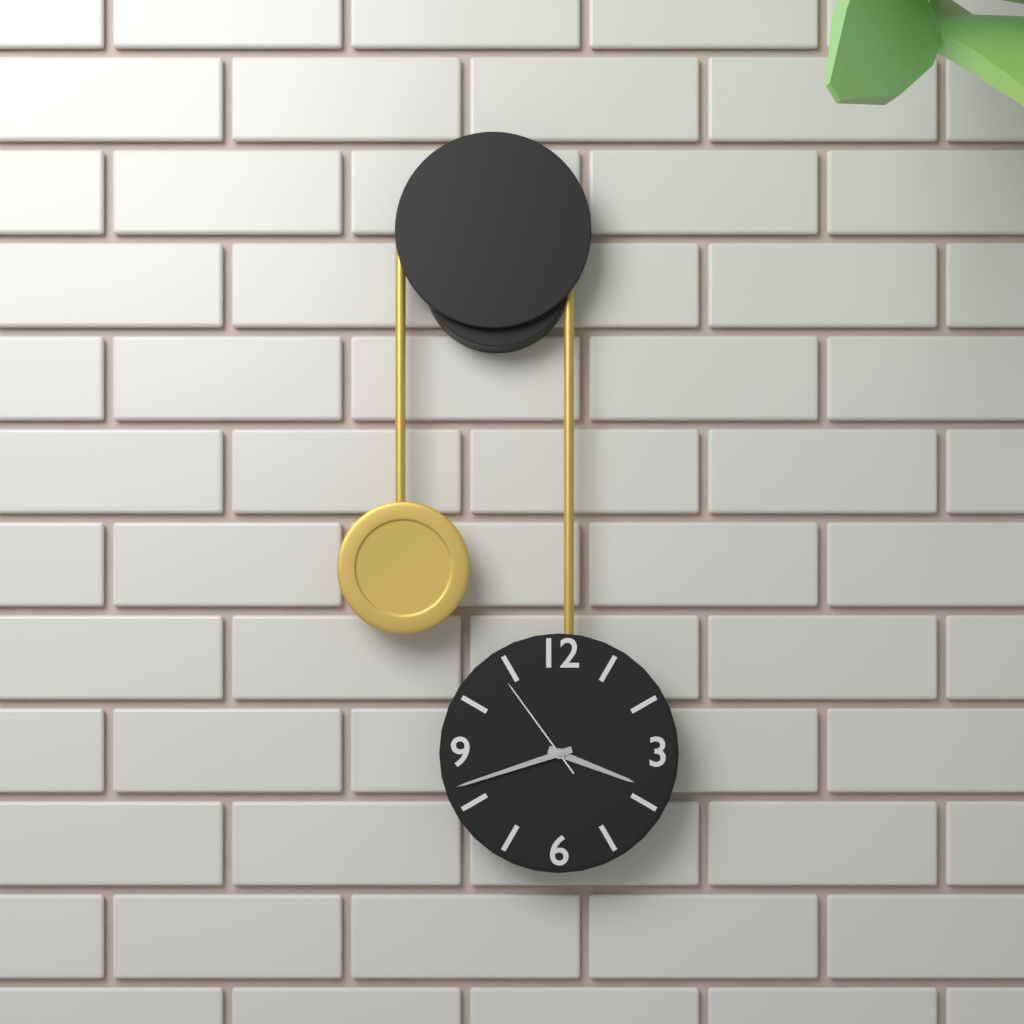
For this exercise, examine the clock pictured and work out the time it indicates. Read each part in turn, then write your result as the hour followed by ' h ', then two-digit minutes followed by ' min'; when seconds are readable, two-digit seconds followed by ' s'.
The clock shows 3 h 42 min 54 s
